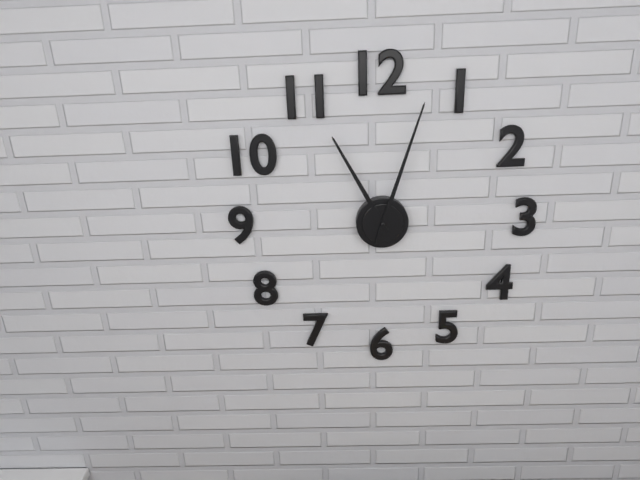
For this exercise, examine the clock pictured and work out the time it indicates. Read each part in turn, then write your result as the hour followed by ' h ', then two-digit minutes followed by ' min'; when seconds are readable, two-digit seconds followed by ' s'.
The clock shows 11 h 03 min
